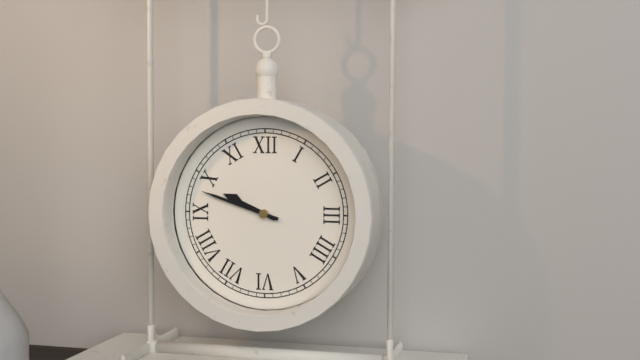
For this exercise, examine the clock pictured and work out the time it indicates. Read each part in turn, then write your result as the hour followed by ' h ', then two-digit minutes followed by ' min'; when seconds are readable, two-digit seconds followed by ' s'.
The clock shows 9 h 48 min
